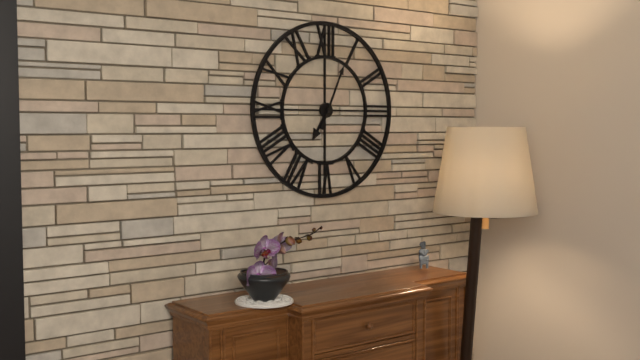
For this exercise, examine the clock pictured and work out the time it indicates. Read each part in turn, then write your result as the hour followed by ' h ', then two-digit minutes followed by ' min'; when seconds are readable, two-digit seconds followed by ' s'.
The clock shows 7 h 04 min
